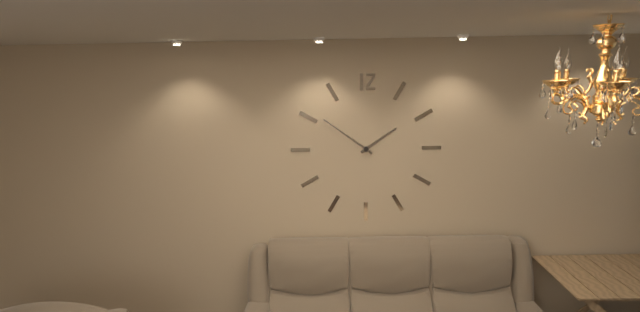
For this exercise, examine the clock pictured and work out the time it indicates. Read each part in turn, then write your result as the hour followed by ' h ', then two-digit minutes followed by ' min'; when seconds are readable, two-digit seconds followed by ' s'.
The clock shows 1 h 51 min
